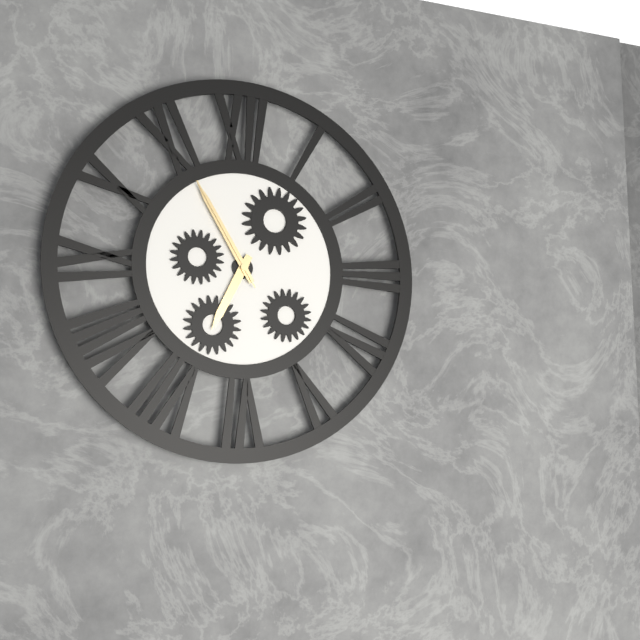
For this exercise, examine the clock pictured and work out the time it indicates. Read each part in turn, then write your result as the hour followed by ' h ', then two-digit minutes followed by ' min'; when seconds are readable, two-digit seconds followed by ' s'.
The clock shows 6 h 55 min 55 s
